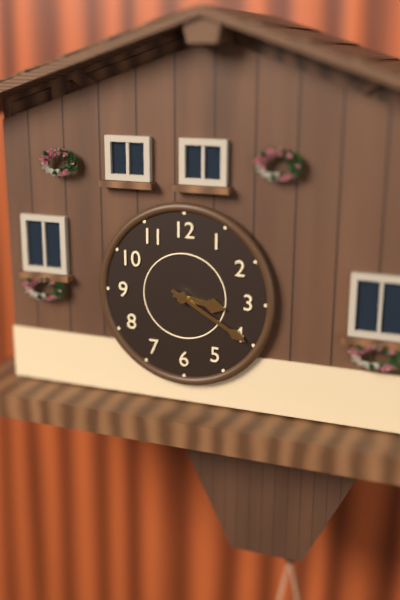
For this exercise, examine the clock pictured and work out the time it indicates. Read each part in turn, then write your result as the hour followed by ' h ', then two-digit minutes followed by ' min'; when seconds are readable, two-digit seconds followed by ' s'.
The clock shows 3 h 20 min
